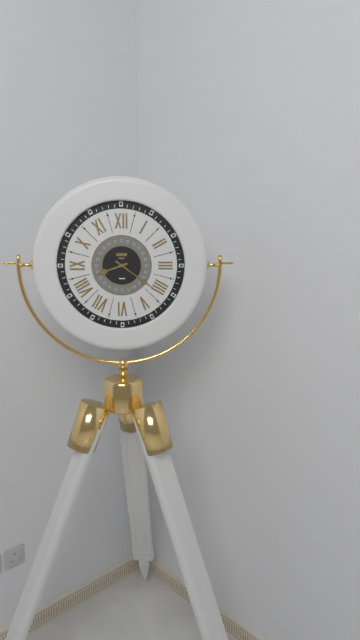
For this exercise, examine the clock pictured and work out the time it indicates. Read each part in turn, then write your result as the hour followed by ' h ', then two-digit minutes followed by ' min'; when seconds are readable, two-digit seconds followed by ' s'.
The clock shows 8 h 21 min
